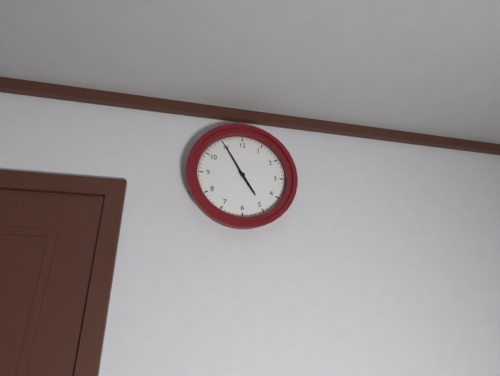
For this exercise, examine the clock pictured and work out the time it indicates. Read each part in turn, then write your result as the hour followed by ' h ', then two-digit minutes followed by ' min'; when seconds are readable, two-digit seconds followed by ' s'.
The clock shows 4 h 55 min
